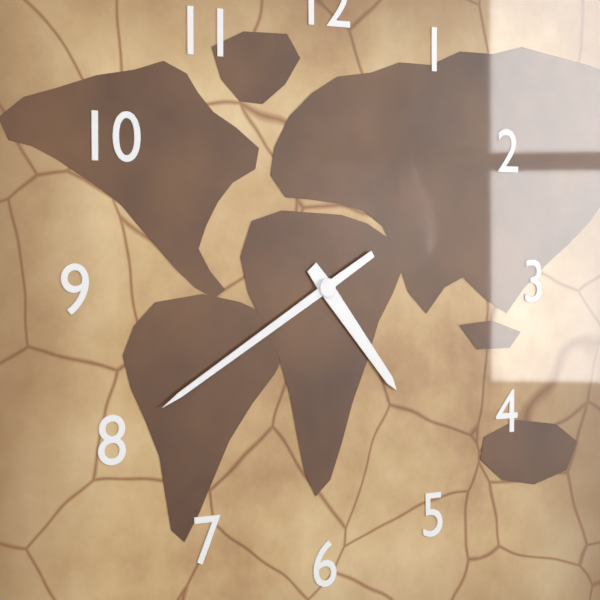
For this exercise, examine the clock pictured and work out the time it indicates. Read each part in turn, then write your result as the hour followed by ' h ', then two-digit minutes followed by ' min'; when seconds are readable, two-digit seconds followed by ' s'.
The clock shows 4 h 40 min
